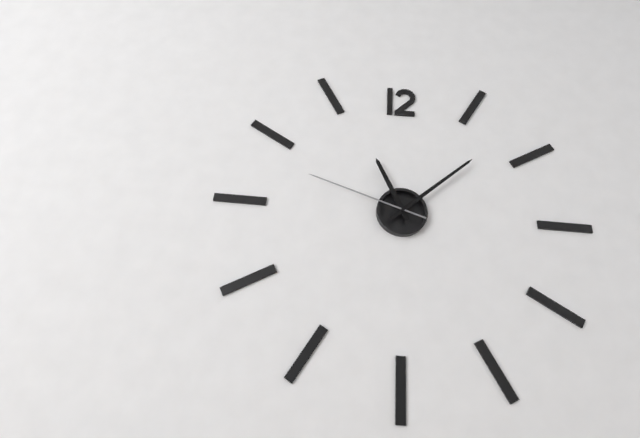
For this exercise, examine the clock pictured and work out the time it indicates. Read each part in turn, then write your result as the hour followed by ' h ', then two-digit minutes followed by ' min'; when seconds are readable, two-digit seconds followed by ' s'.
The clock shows 11 h 08 min 48 s
